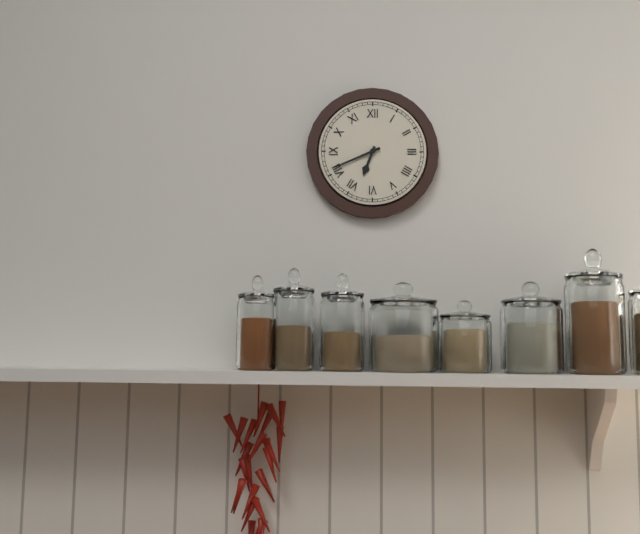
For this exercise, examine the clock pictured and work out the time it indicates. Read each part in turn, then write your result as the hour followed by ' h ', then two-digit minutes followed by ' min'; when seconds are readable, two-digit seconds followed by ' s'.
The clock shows 6 h 41 min
